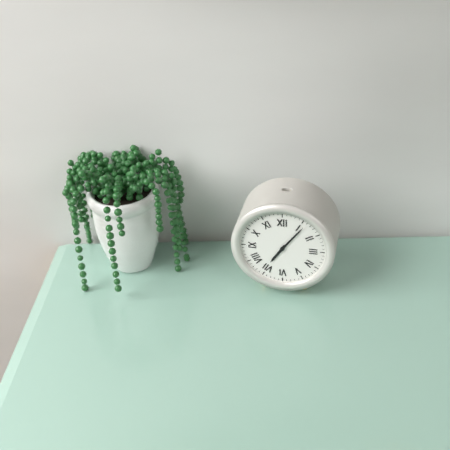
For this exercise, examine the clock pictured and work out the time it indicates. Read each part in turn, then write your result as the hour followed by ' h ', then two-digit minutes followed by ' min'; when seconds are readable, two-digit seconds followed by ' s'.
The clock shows 7 h 06 min
